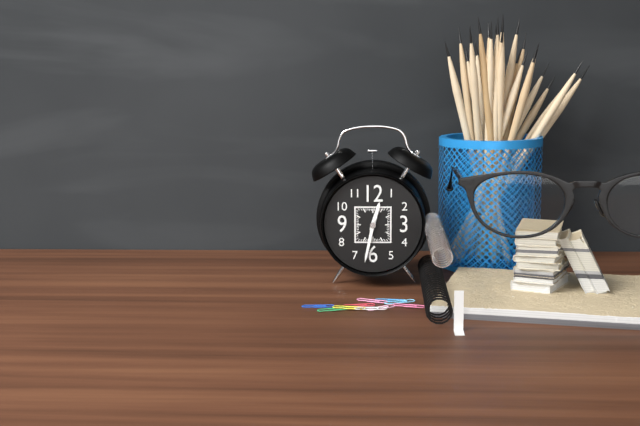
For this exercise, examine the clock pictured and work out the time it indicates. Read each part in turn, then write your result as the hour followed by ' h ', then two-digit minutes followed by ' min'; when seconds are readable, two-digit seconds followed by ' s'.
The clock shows 12 h 32 min
